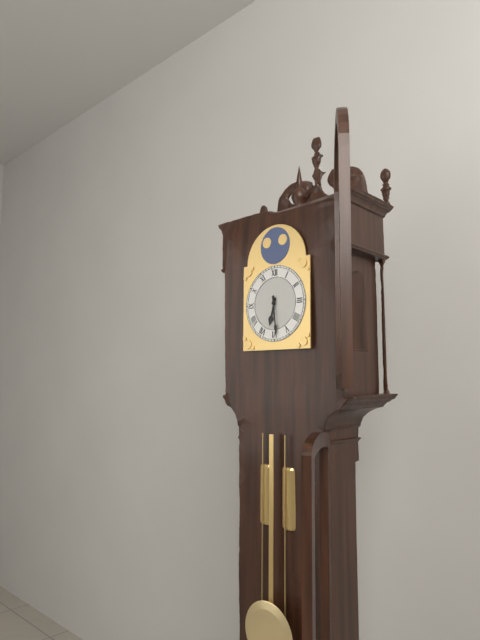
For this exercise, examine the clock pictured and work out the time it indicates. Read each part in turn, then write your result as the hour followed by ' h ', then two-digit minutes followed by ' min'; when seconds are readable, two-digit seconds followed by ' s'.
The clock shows 6 h 29 min
